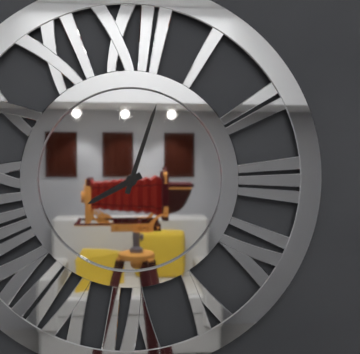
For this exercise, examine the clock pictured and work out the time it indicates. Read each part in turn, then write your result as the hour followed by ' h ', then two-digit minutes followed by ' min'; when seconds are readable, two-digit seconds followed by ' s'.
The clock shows 8 h 03 min
